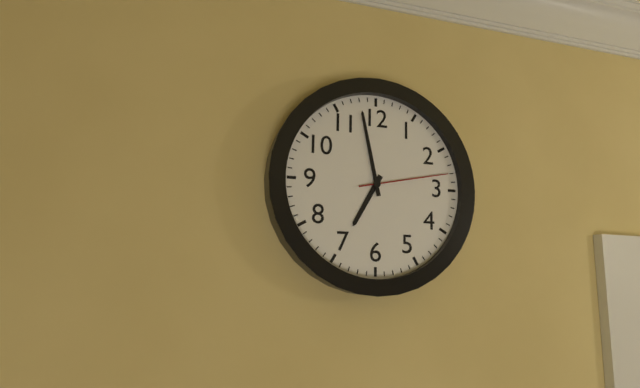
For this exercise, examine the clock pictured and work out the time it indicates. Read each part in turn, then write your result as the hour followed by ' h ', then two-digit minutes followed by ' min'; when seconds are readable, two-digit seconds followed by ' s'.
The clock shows 6 h 58 min 13 s
